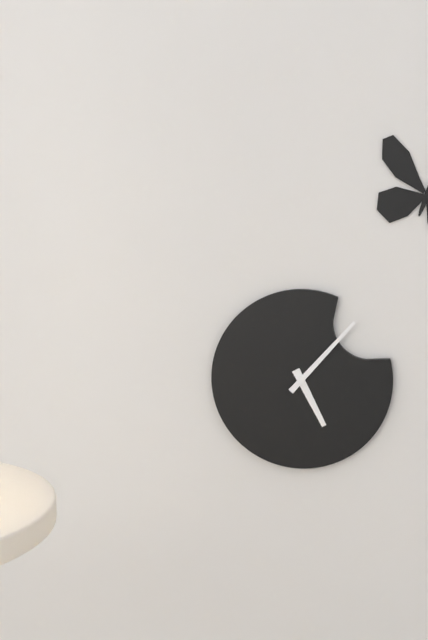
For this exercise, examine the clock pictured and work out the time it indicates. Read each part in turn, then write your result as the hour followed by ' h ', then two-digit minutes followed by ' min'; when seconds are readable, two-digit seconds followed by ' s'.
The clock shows 5 h 07 min
